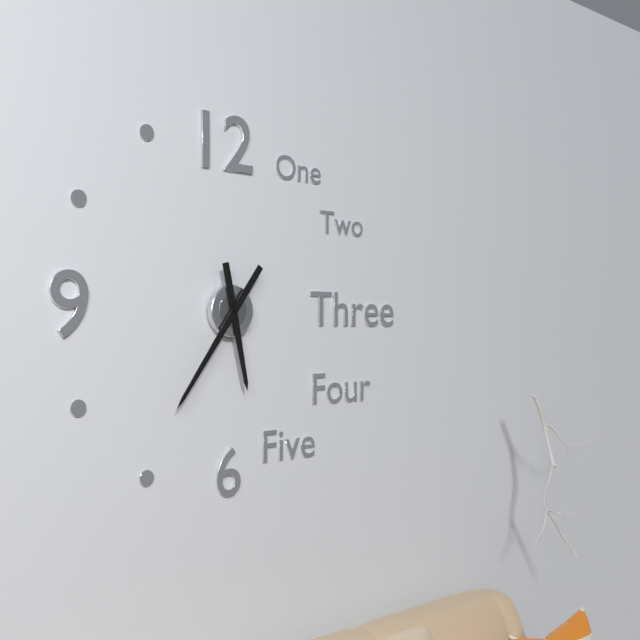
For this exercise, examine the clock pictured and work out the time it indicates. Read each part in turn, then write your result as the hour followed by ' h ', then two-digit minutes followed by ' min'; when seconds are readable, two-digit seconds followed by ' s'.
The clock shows 5 h 36 min
